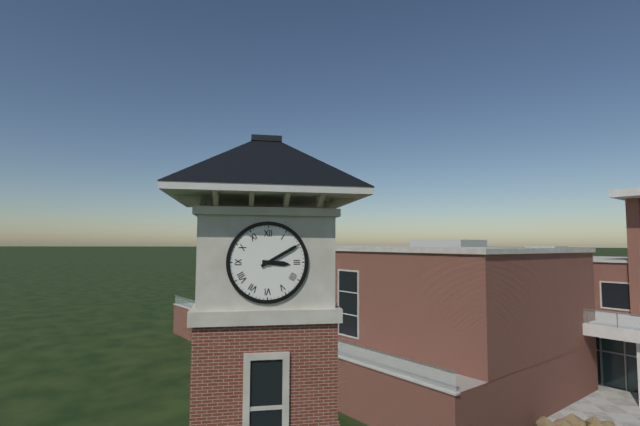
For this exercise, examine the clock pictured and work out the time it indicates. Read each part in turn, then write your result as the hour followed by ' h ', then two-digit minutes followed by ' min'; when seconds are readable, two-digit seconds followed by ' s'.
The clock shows 3 h 10 min
